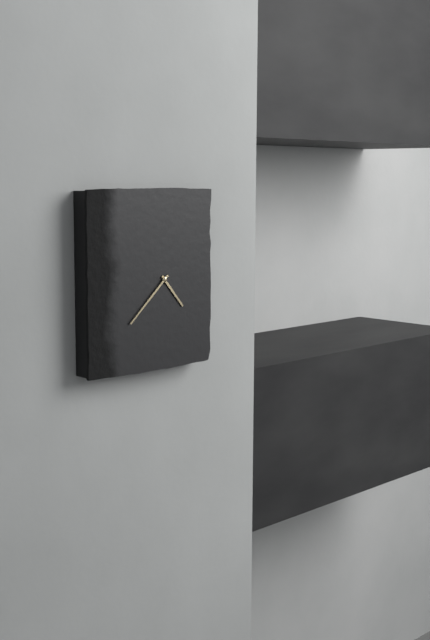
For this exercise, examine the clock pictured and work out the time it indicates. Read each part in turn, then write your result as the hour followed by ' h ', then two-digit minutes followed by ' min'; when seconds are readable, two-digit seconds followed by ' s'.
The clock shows 4 h 38 min
